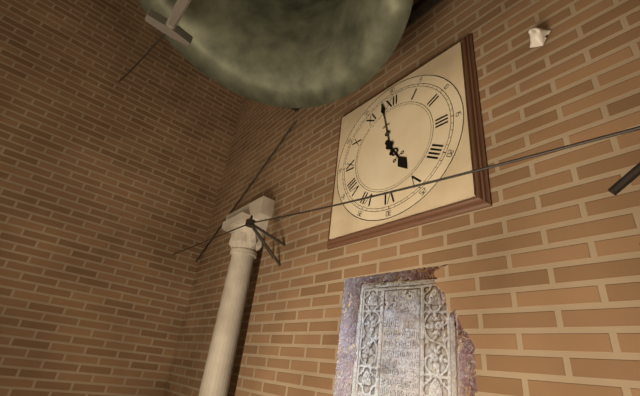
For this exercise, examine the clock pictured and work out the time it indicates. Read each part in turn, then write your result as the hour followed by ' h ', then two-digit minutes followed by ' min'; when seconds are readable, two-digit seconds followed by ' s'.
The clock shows 4 h 58 min
